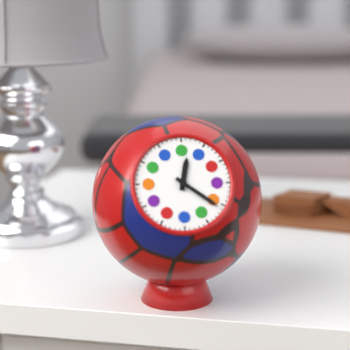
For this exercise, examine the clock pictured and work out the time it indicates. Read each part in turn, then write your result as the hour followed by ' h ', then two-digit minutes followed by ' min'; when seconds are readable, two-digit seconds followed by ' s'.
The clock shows 12 h 21 min
